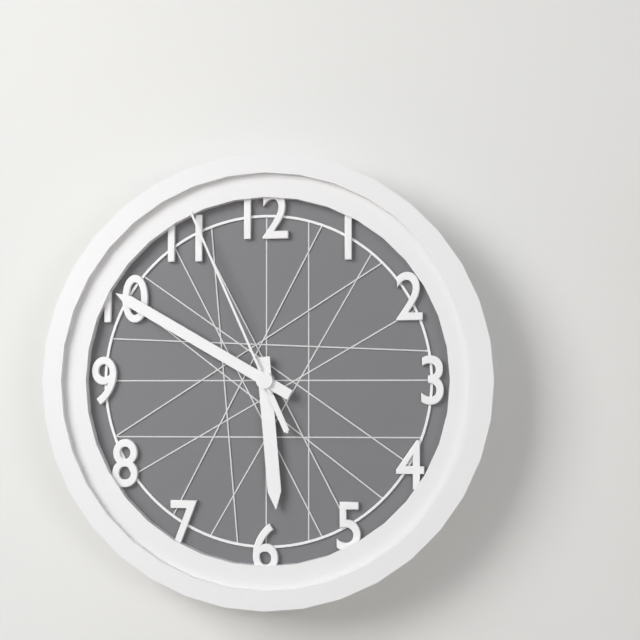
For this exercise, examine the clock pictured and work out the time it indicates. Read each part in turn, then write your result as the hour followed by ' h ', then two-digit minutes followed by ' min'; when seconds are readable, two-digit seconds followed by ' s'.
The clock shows 5 h 50 min 56 s
